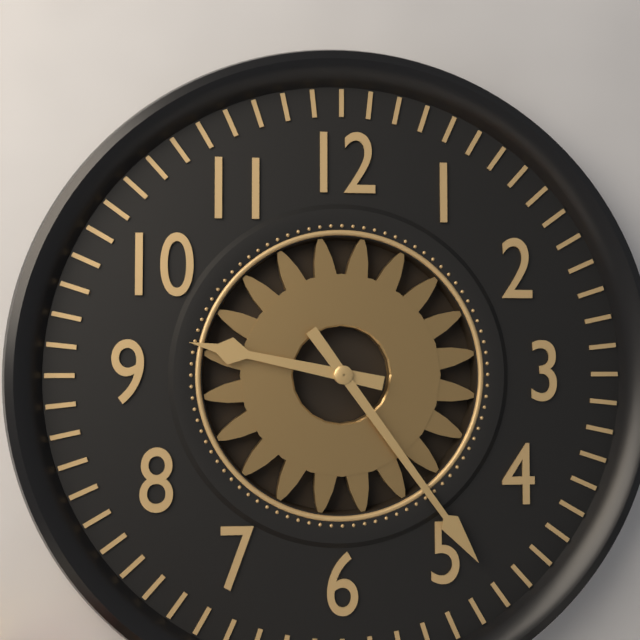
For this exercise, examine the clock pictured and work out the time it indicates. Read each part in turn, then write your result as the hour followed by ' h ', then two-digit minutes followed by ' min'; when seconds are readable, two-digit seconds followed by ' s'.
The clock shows 9 h 24 min
